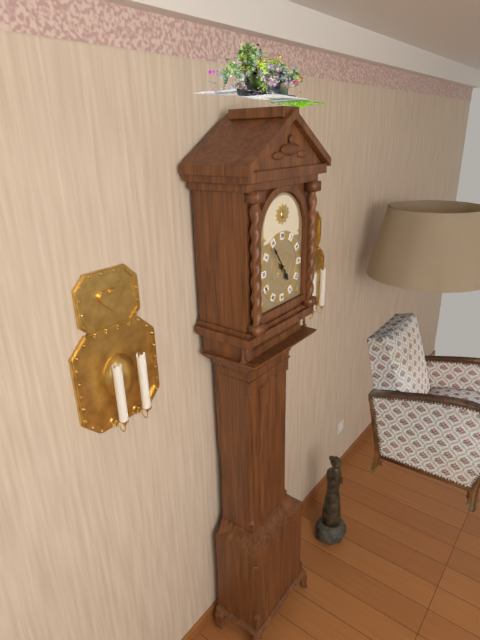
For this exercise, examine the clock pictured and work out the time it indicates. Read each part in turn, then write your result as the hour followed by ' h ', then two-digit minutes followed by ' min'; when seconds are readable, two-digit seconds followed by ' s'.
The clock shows 4 h 54 min
